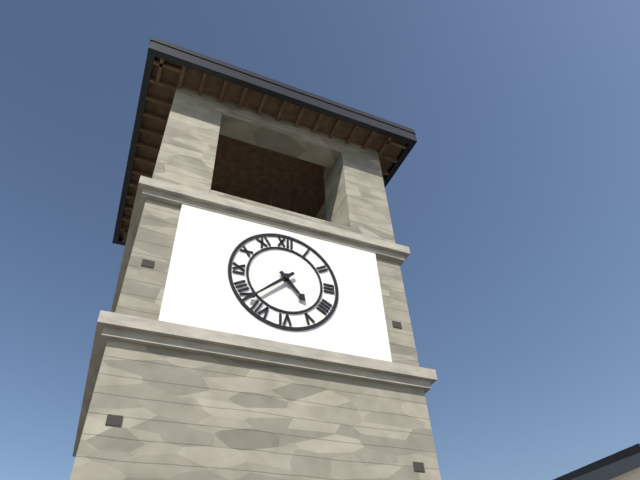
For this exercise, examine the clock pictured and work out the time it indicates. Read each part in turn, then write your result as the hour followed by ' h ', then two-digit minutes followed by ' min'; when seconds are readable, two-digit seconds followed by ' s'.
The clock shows 4 h 38 min
